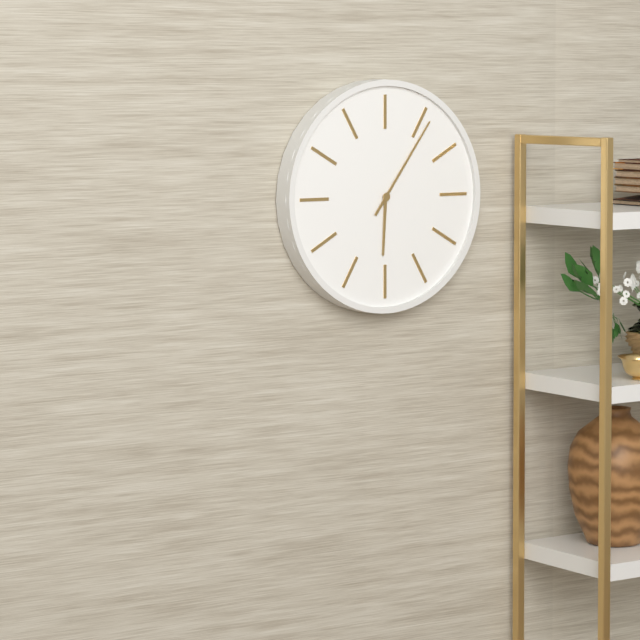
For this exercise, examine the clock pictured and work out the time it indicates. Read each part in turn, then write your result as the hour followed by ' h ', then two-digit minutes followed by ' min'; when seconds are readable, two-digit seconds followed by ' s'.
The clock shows 6 h 06 min
